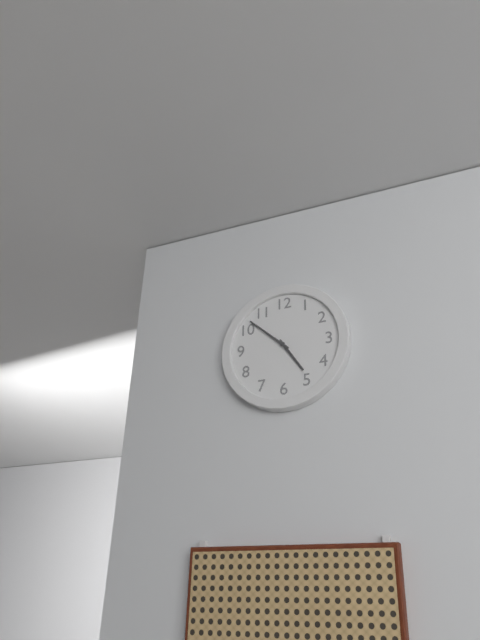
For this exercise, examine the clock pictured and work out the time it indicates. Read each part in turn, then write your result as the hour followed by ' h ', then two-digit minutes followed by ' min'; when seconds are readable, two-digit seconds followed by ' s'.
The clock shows 4 h 52 min
